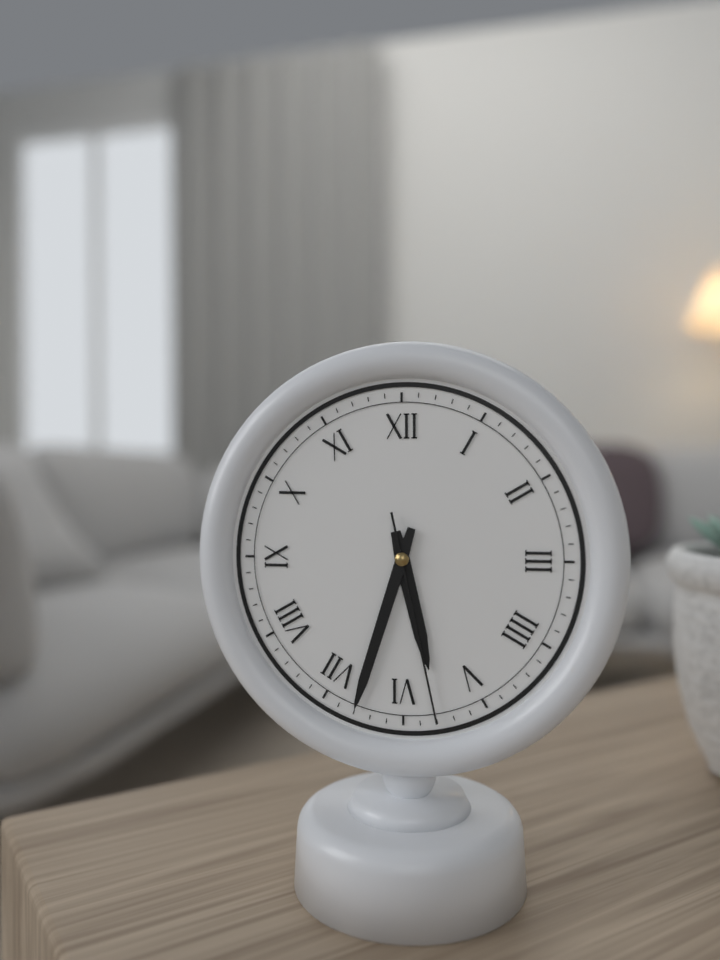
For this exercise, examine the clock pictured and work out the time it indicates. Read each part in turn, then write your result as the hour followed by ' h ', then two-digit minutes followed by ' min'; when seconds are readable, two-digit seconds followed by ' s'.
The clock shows 5 h 33 min 28 s
